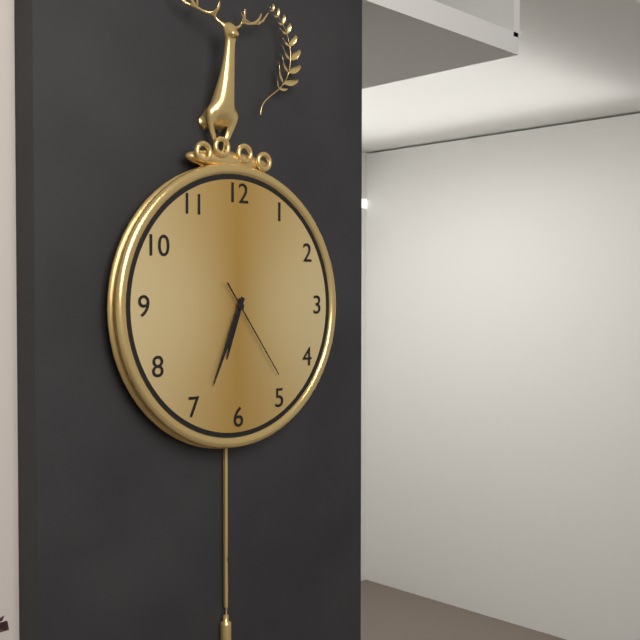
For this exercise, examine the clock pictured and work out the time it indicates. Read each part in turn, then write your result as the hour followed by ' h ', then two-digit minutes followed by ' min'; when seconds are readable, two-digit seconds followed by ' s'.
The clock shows 6 h 34 min 24 s
